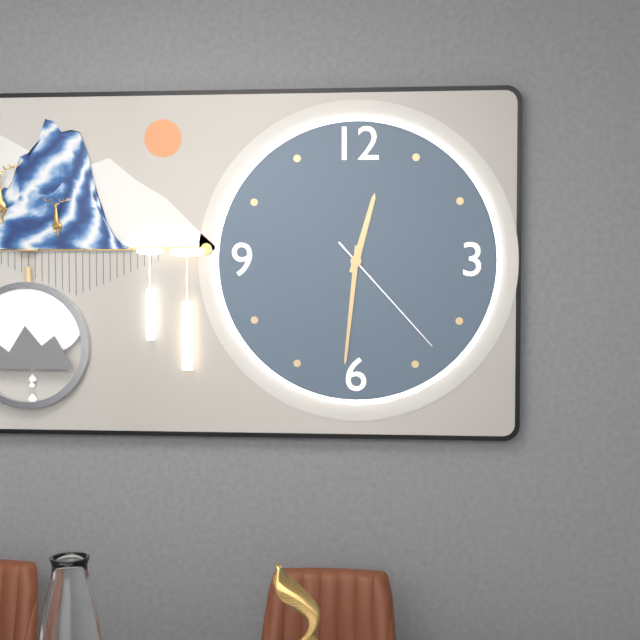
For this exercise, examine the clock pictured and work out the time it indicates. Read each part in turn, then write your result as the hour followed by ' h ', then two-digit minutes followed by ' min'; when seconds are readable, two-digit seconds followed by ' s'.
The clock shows 12 h 31 min 23 s
